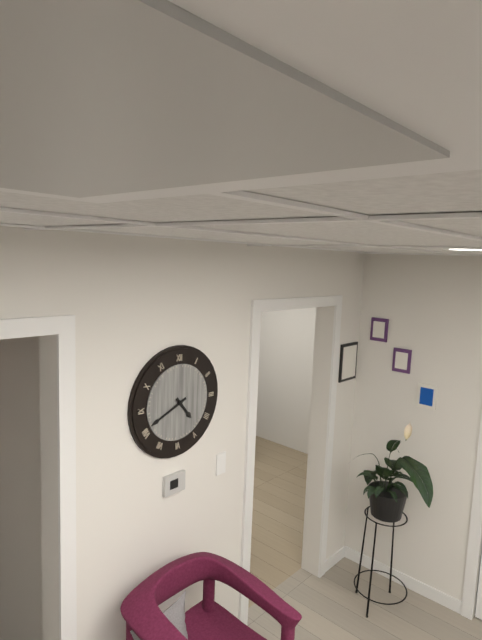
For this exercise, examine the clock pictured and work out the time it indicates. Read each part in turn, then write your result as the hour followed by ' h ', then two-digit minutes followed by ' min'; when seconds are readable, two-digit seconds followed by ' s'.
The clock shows 4 h 41 min
